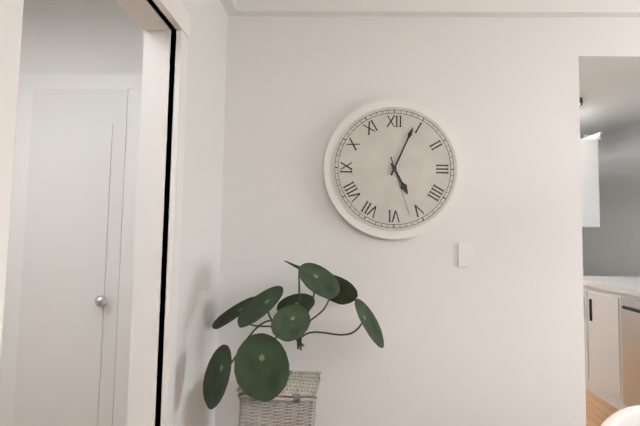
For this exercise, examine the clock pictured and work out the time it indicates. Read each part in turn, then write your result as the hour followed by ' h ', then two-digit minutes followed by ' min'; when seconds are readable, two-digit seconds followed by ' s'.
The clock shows 5 h 04 min 27 s
